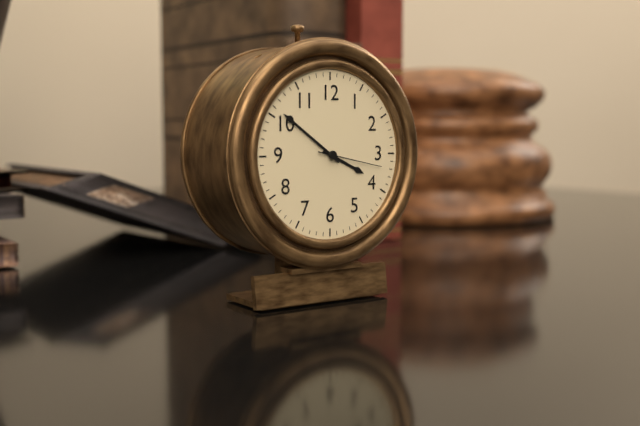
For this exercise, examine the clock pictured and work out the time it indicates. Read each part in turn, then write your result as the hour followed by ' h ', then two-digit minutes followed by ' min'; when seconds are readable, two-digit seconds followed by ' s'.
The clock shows 3 h 51 min 17 s
